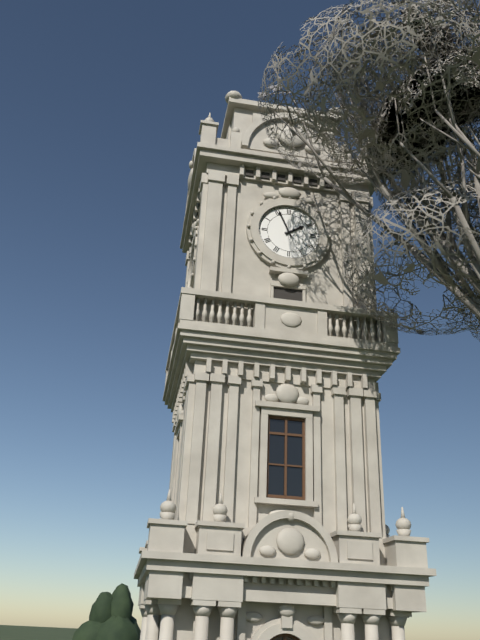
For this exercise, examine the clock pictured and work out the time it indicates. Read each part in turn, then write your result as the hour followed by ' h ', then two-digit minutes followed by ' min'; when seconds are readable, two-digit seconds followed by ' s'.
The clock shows 1 h 56 min
